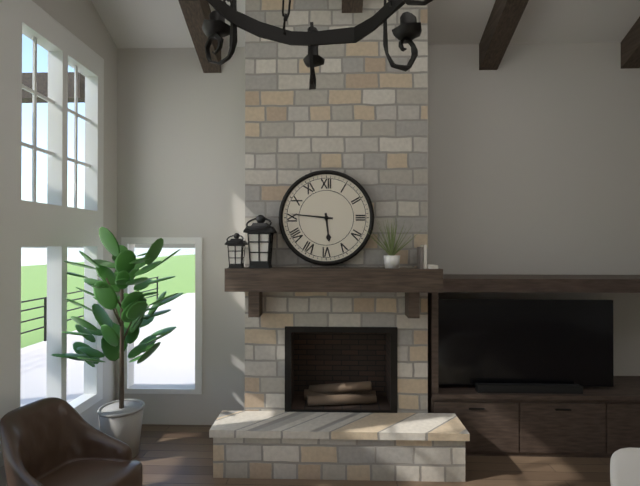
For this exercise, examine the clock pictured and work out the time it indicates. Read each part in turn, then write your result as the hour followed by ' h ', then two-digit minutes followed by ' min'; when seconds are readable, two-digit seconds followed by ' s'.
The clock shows 5 h 46 min
